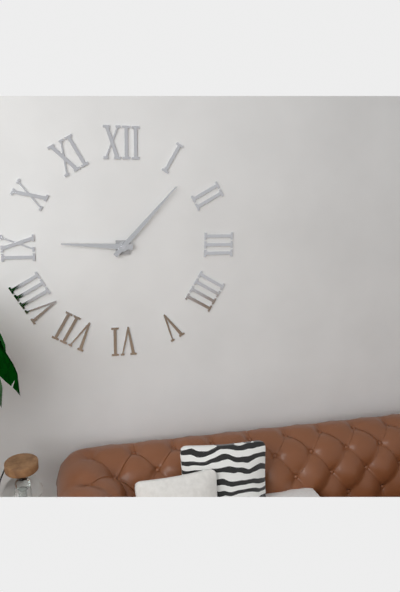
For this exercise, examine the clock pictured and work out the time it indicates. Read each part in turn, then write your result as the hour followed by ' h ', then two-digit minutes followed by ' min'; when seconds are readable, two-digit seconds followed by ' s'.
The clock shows 9 h 07 min
